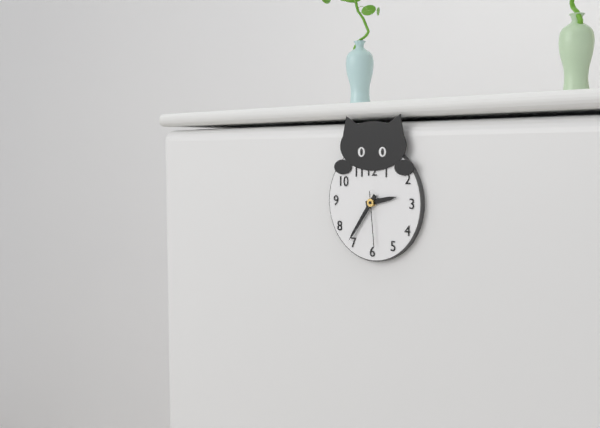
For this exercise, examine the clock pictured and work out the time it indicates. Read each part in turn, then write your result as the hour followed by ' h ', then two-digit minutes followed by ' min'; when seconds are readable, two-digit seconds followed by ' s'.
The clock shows 2 h 36 min 29 s
